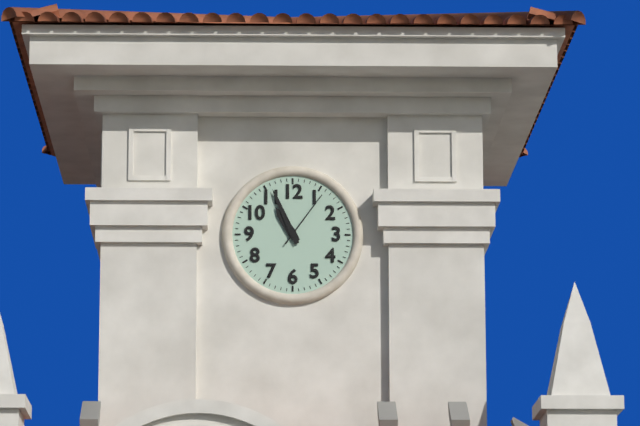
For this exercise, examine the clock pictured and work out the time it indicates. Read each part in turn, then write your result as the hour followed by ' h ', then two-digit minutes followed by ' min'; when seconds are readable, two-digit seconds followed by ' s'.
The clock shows 10 h 56 min 06 s
